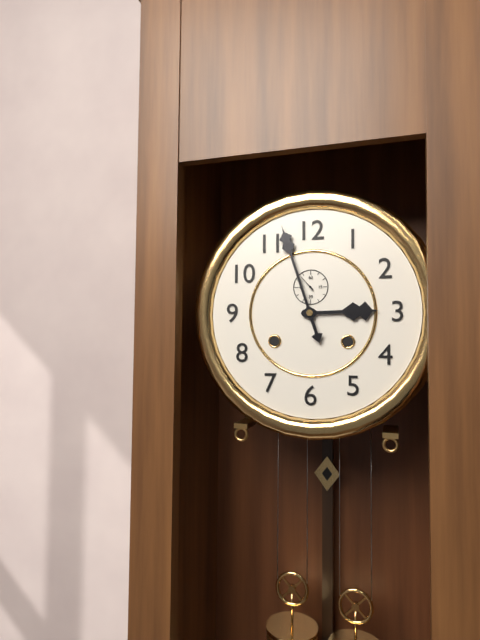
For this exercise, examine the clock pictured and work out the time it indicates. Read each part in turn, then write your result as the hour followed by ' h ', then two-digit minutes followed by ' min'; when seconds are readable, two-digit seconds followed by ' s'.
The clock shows 2 h 57 min
